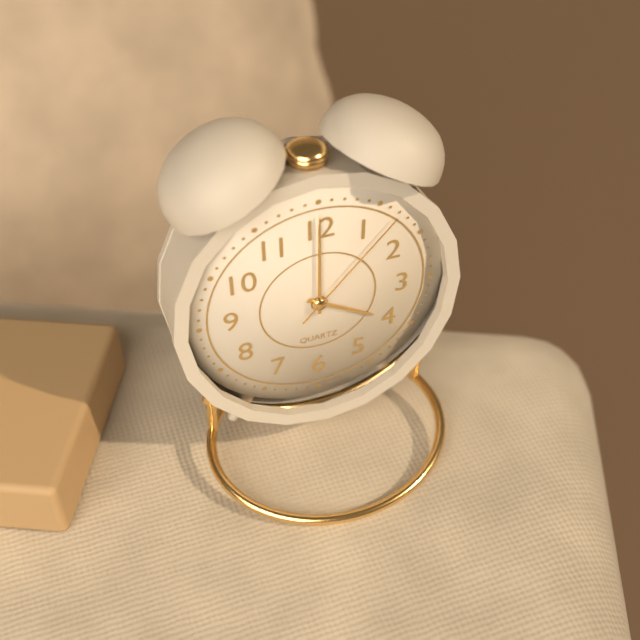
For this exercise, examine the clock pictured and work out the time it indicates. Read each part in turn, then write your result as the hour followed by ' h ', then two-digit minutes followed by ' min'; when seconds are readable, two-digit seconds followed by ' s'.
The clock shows 4 h 00 min 07 s
